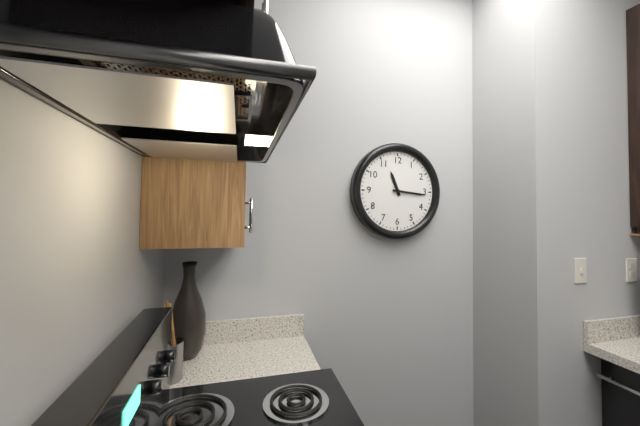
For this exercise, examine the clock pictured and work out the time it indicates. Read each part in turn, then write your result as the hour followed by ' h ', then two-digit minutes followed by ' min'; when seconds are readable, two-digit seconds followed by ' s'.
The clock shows 11 h 16 min
